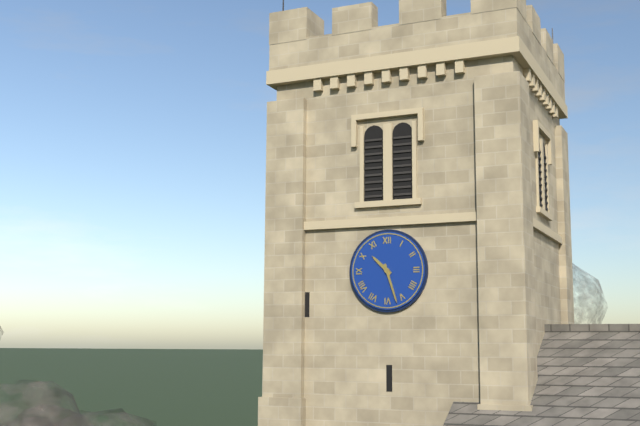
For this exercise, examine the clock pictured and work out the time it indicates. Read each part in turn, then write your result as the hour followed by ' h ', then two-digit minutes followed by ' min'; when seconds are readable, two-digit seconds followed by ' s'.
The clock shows 10 h 27 min
